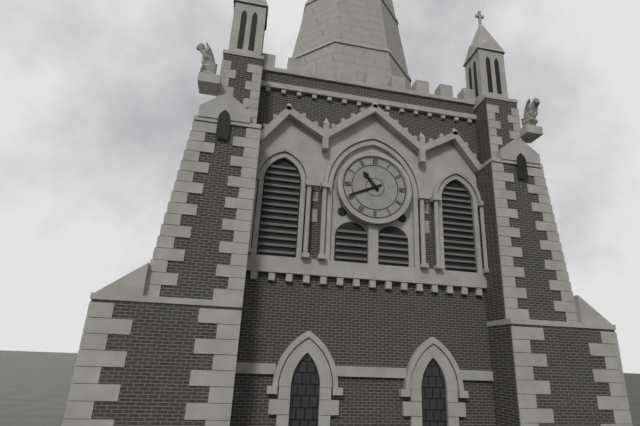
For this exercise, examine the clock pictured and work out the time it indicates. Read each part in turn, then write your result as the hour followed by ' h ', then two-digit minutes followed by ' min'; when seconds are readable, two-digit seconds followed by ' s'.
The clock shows 10 h 41 min
